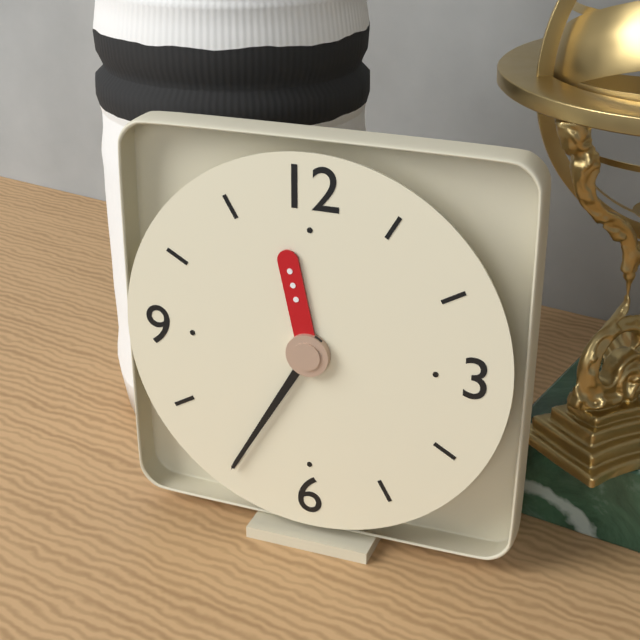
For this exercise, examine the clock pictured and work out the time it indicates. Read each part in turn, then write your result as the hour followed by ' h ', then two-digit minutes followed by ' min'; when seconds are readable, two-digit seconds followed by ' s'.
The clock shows 11 h 35 min
